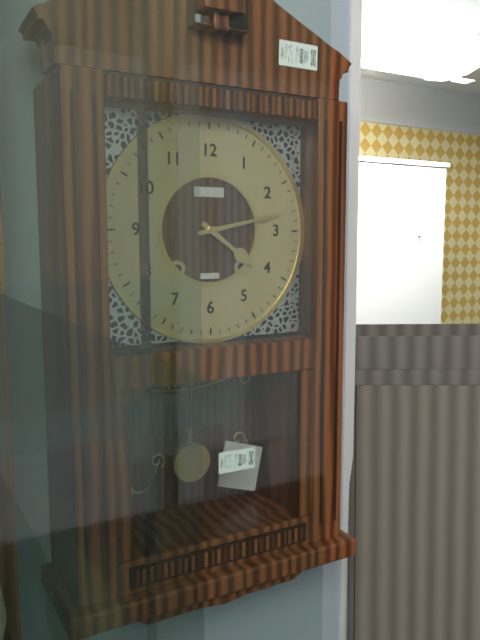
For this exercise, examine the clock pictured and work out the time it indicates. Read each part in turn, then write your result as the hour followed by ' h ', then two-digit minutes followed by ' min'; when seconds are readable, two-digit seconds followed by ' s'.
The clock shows 4 h 13 min
